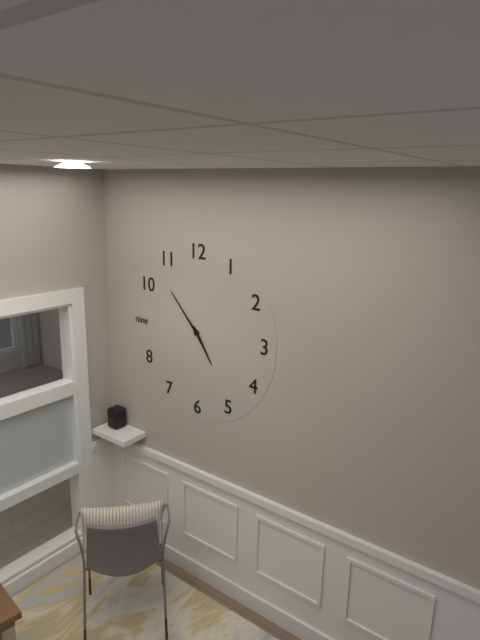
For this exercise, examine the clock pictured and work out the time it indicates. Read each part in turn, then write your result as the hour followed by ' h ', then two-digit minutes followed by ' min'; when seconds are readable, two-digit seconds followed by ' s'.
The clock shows 4 h 53 min
